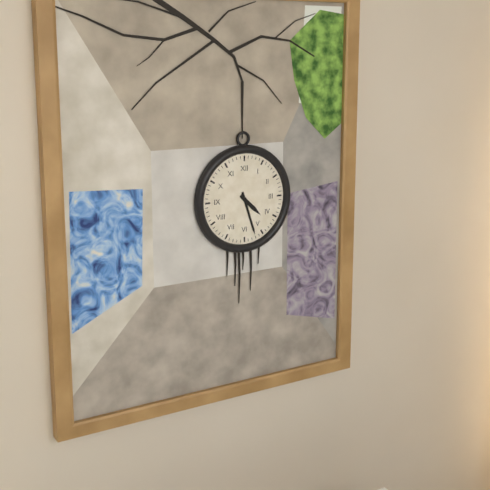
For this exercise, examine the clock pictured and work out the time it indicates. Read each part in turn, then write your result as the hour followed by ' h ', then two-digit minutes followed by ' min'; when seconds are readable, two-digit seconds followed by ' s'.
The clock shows 4 h 27 min
